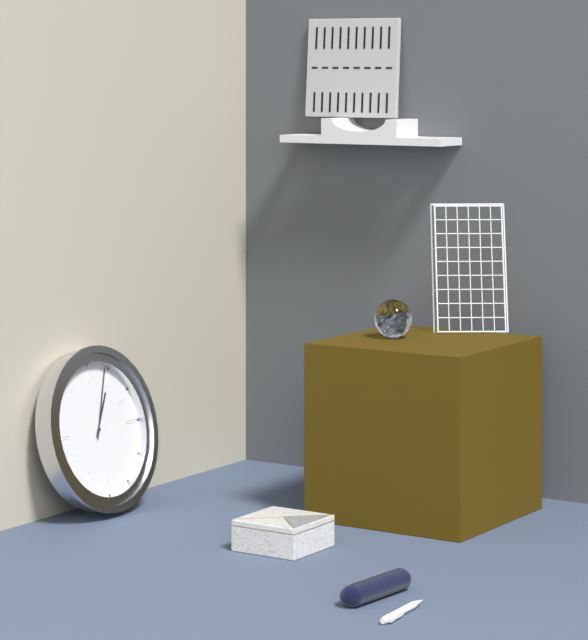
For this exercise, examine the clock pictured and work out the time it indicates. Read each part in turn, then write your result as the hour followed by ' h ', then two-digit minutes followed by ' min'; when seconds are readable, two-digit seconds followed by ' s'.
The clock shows 1 h 04 min
